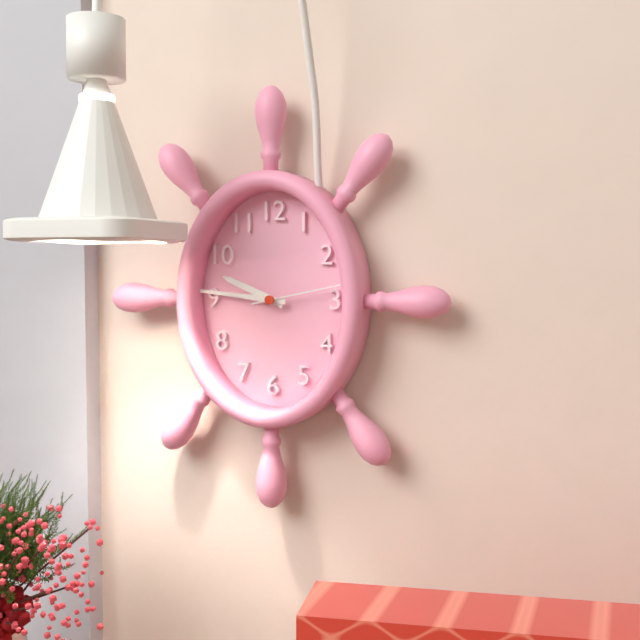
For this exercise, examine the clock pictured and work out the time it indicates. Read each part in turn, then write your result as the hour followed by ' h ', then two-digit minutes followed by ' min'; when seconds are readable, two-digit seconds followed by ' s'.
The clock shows 9 h 46 min 13 s
